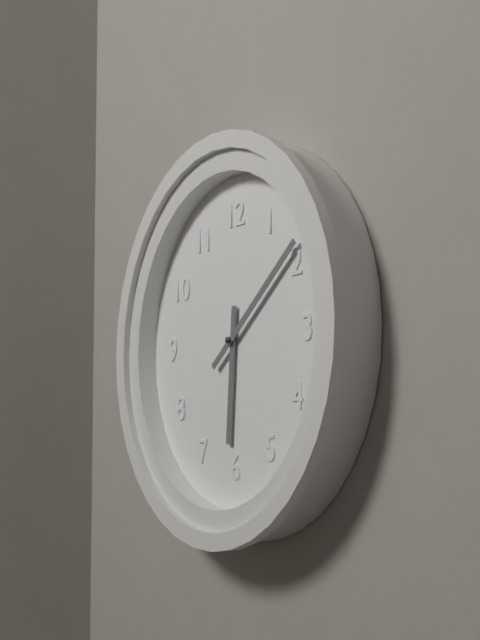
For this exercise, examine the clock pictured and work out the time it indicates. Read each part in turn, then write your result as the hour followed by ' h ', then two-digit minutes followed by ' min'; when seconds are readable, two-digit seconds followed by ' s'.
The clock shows 6 h 09 min
